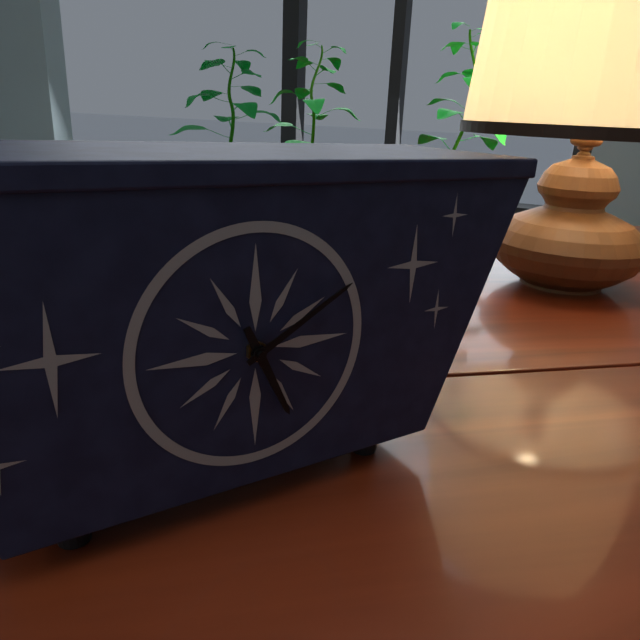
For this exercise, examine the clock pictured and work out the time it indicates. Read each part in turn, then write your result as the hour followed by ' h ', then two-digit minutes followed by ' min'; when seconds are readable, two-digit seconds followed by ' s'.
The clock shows 5 h 10 min
